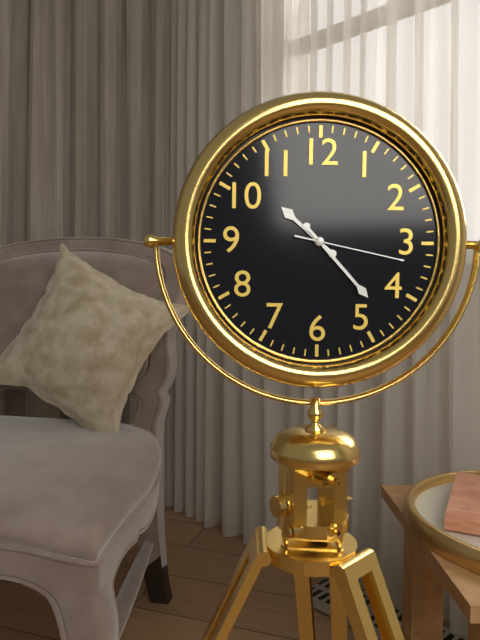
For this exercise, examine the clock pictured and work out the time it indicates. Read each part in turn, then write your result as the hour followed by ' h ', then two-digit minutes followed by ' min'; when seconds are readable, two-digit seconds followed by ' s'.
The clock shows 10 h 23 min 17 s
